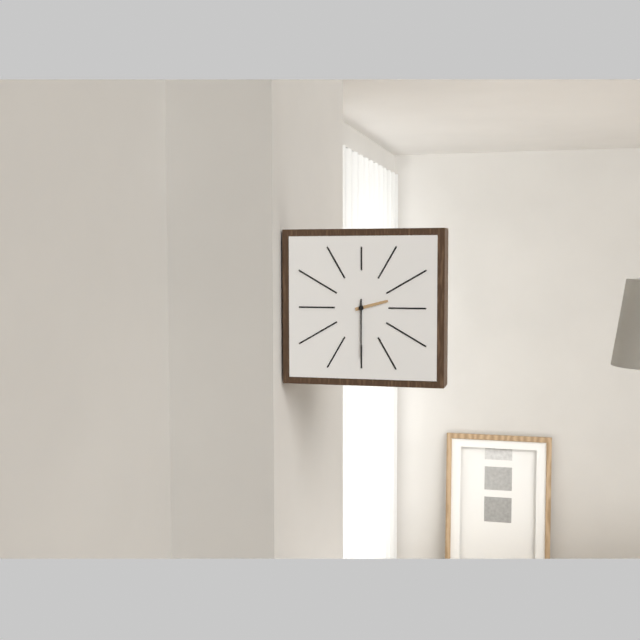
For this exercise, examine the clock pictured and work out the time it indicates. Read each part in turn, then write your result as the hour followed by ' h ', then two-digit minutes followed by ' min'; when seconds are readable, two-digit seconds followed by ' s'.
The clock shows 2 h 30 min
